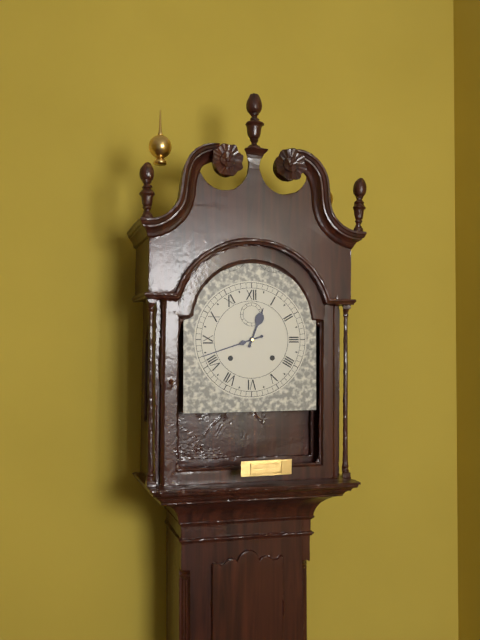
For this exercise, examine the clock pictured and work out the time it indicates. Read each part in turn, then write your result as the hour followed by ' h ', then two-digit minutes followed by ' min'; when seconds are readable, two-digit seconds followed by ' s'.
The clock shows 12 h 42 min
